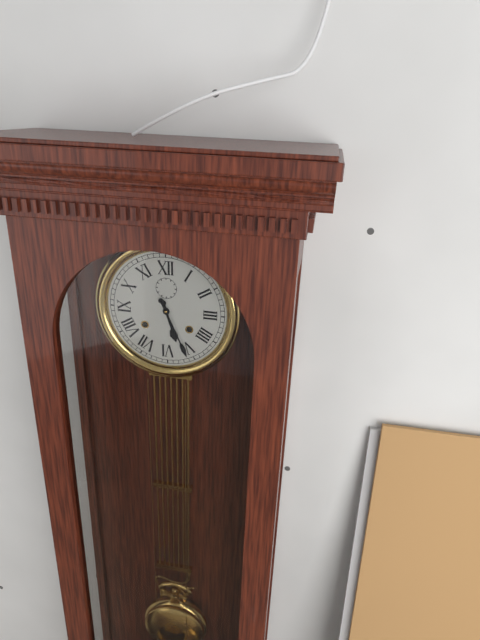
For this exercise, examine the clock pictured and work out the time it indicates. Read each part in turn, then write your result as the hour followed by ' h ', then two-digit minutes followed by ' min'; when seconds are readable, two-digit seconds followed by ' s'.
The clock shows 5 h 26 min
